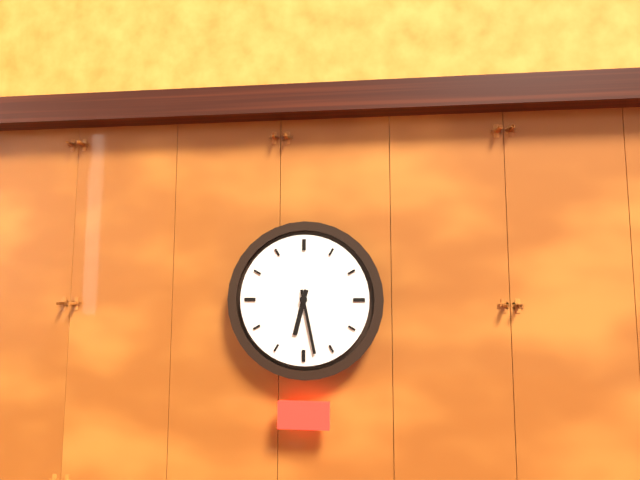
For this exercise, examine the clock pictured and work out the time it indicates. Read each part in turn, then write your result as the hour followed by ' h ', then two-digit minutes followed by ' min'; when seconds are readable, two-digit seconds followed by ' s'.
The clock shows 6 h 28 min
